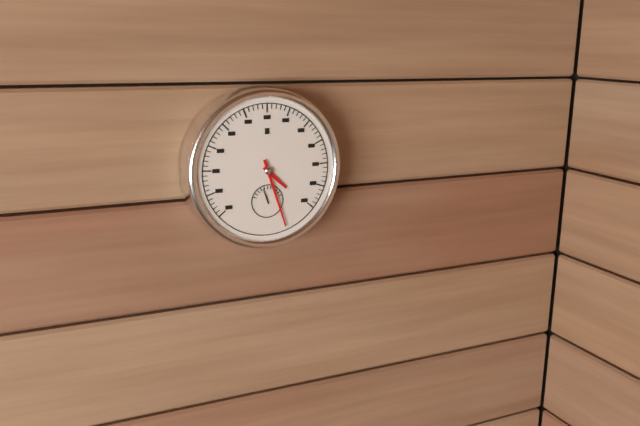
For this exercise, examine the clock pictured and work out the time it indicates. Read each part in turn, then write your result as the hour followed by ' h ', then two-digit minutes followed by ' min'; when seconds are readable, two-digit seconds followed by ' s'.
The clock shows 4 h 27 min
